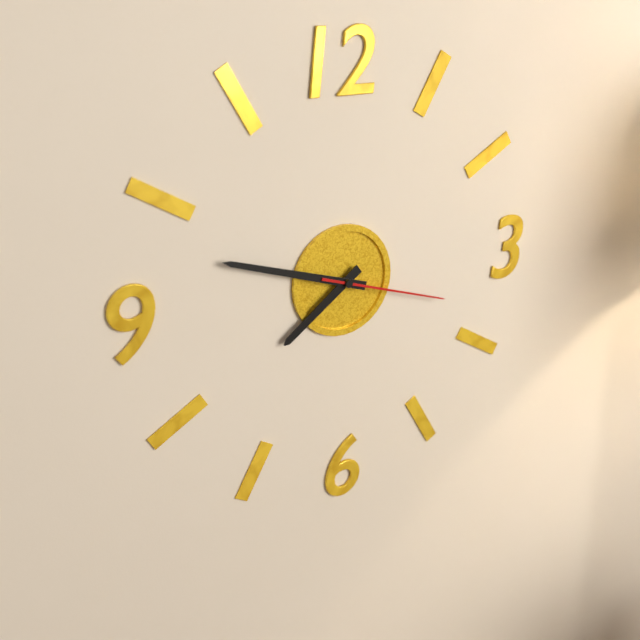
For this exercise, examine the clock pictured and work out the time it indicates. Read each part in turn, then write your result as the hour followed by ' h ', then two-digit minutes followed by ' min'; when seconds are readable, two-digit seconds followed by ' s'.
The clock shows 7 h 48 min 18 s
